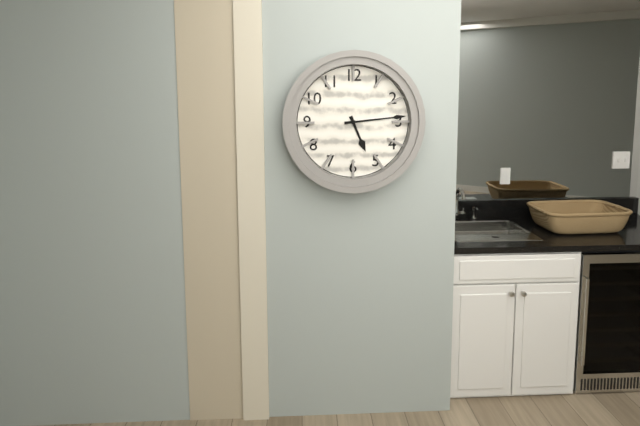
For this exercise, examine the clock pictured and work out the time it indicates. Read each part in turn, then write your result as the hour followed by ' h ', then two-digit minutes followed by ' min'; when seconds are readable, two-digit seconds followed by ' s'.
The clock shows 5 h 14 min
